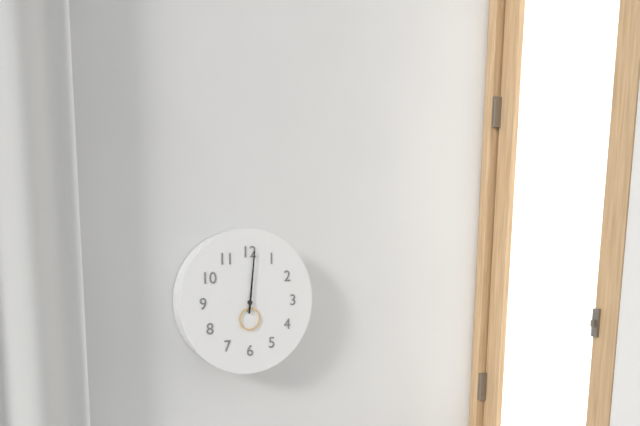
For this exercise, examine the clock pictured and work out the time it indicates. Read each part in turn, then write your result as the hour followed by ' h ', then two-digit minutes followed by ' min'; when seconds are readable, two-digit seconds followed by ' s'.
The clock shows 6 h 01 min
